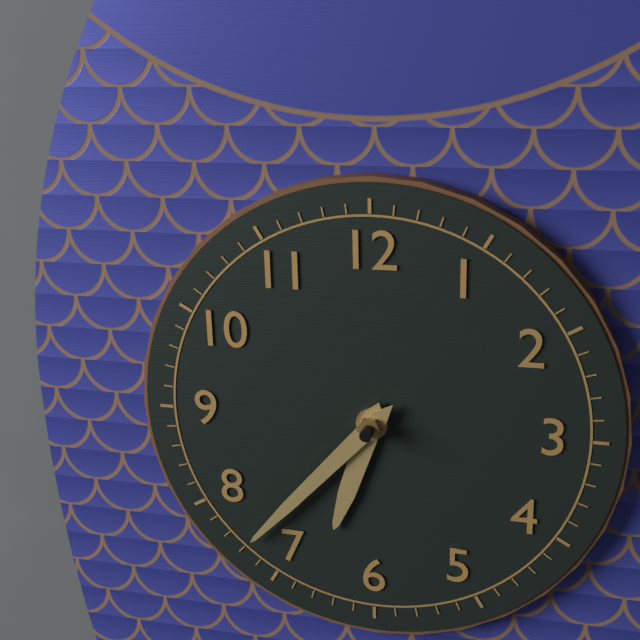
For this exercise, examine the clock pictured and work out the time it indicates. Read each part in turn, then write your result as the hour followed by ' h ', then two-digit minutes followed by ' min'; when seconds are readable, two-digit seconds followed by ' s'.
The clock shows 6 h 37 min
